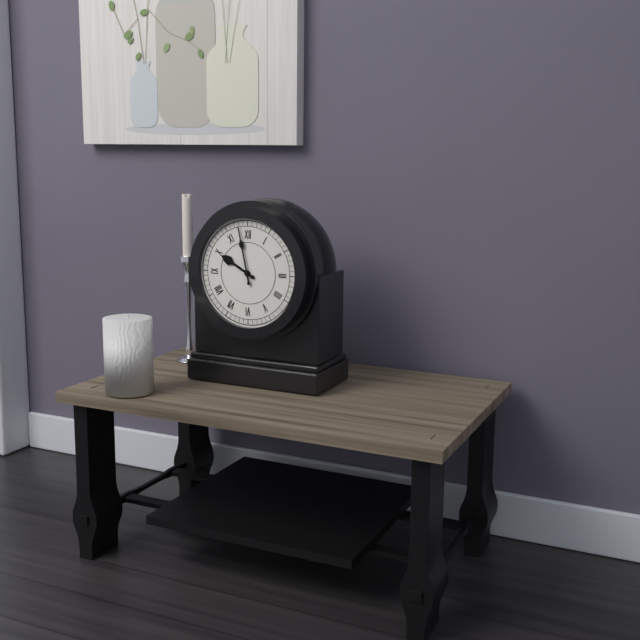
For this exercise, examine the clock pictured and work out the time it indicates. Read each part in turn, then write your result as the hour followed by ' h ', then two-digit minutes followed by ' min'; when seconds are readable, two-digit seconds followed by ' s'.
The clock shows 9 h 58 min
